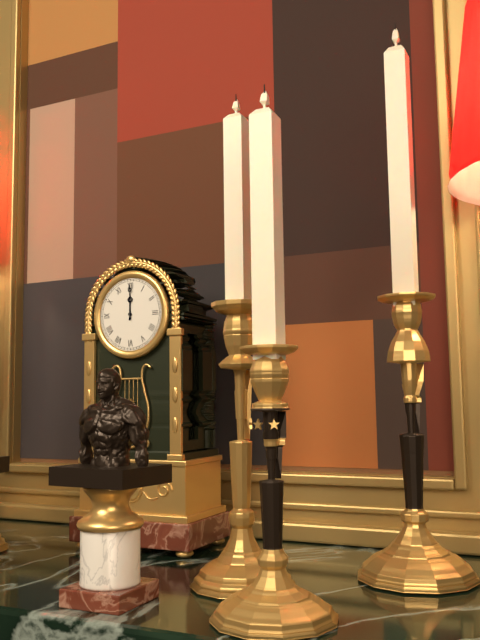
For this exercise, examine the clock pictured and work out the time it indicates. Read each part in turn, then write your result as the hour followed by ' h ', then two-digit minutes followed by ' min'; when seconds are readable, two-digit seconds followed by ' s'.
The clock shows 12 h 00 min
